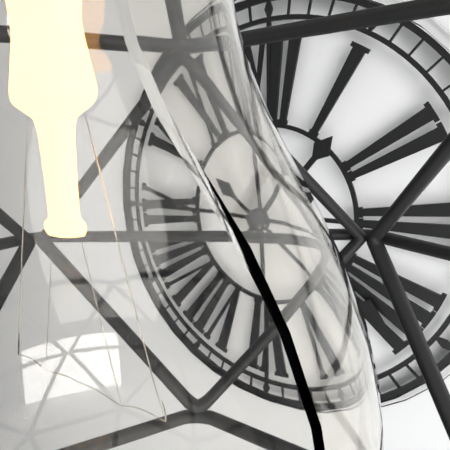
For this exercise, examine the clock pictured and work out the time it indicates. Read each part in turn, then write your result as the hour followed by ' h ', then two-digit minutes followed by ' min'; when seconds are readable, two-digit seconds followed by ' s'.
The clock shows 1 h 21 min
